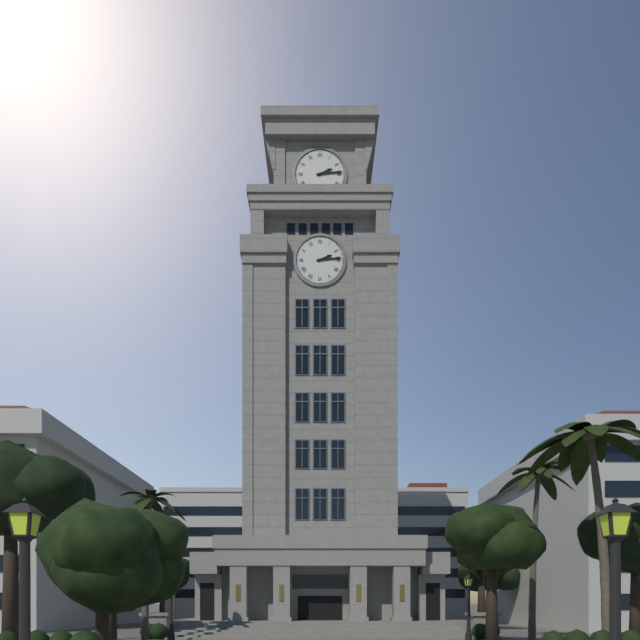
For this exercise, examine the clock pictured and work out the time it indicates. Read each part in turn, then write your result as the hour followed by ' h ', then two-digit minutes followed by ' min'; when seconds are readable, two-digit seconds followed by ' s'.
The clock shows 2 h 14 min
